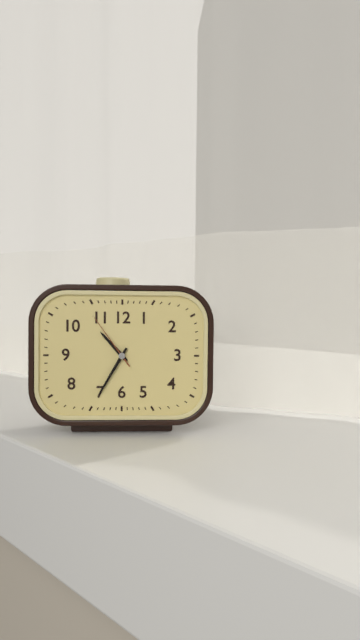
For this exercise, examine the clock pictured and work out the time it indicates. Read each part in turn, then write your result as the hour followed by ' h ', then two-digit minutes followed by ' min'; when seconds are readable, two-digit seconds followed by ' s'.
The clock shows 10 h 35 min 54 s
